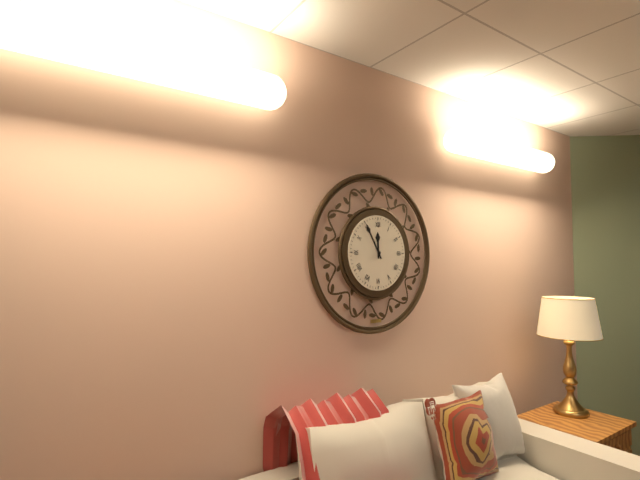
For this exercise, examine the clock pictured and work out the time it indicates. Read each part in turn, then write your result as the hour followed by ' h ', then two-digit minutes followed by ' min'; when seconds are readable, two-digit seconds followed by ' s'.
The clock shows 11 h 55 min
